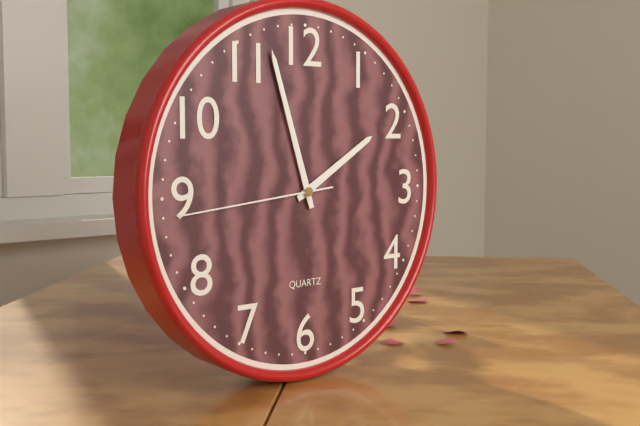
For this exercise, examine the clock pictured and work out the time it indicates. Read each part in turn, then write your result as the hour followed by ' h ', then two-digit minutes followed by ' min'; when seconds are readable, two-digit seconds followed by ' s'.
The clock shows 1 h 57 min 44 s
